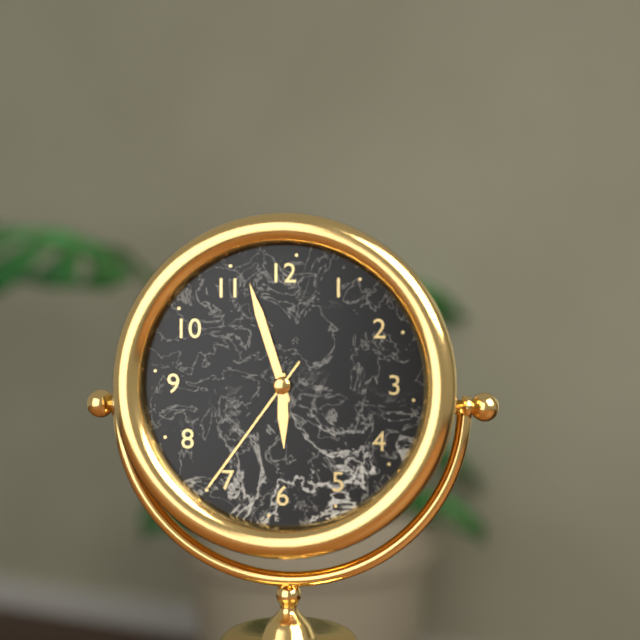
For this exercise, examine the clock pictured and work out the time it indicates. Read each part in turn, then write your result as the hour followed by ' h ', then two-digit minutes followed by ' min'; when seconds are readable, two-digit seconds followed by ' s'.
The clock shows 5 h 57 min 36 s
